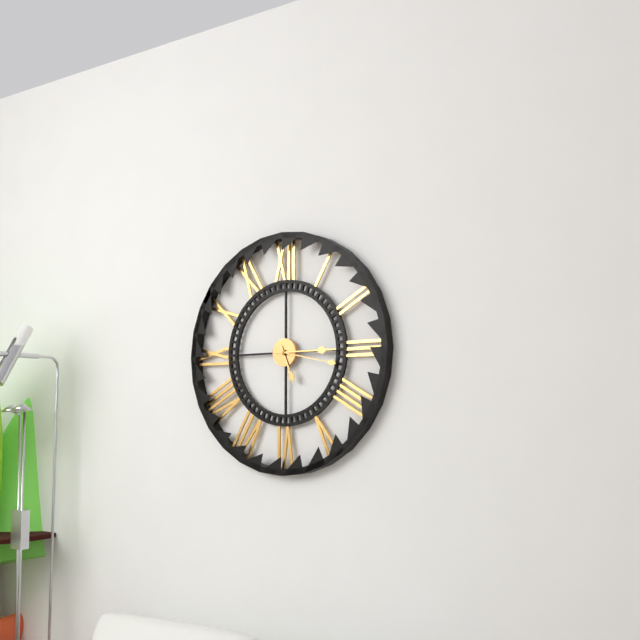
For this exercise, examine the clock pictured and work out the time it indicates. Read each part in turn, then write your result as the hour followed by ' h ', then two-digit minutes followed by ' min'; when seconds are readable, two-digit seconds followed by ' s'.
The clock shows 5 h 15 min 17 s
